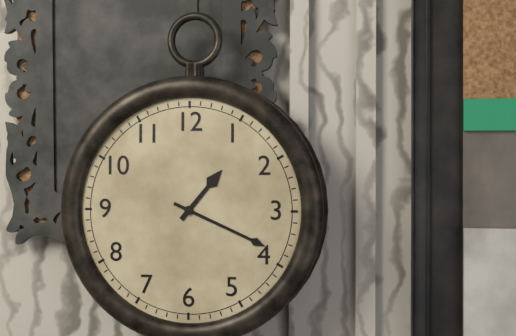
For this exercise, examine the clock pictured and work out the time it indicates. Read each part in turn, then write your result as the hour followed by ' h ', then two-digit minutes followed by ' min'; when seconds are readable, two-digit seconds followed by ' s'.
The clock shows 1 h 19 min
